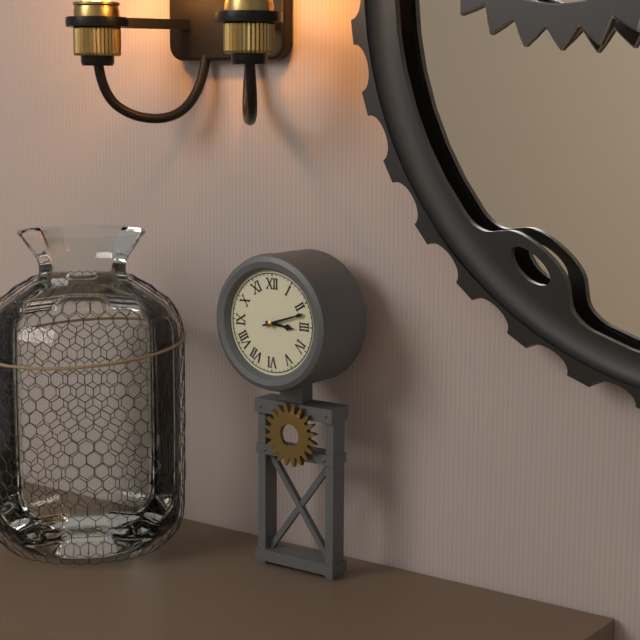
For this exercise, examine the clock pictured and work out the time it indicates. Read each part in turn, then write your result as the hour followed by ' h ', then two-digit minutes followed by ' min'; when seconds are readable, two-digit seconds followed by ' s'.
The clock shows 3 h 12 min
